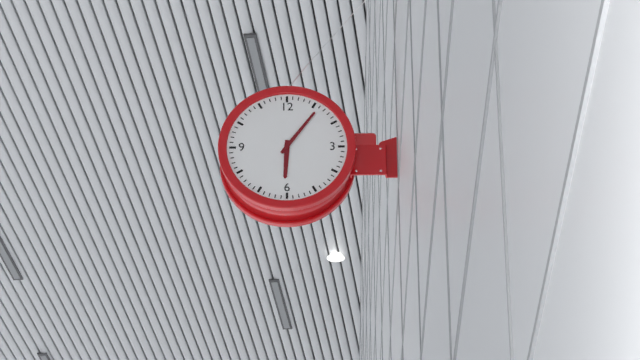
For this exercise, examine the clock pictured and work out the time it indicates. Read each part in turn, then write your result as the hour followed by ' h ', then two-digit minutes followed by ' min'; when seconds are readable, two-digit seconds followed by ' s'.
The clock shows 6 h 06 min
